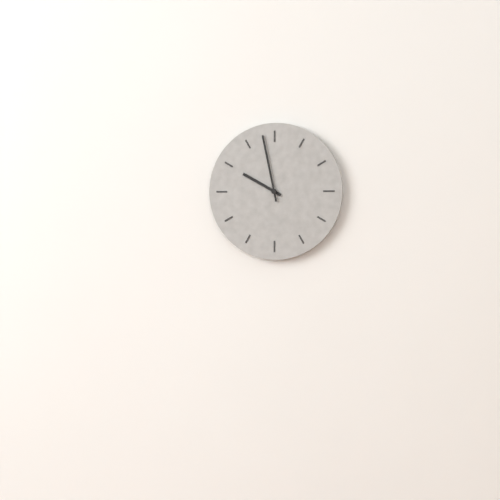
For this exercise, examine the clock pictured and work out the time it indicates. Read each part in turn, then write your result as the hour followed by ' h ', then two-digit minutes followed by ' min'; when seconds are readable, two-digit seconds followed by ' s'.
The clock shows 9 h 58 min
